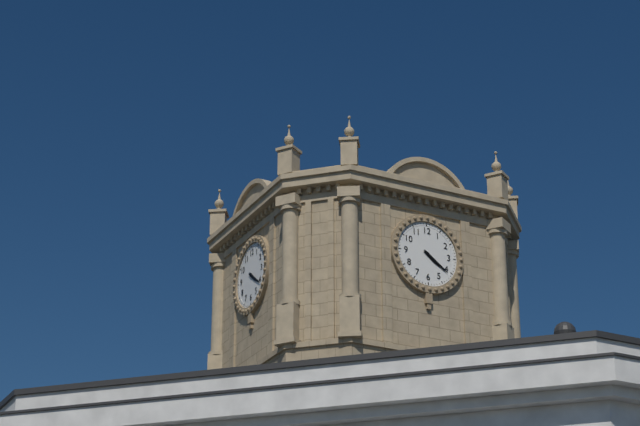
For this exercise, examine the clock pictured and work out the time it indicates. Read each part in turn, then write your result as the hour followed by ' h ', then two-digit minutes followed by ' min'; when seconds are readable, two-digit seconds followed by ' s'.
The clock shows 4 h 21 min
